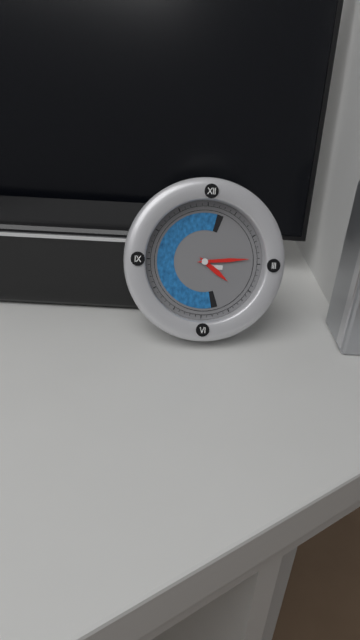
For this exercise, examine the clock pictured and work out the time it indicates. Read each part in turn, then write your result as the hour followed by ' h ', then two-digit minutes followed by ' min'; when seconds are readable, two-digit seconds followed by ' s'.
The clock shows 4 h 14 min
